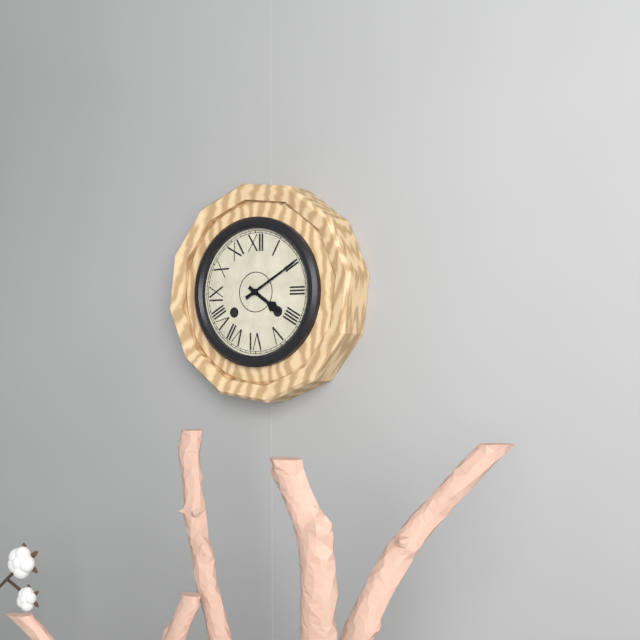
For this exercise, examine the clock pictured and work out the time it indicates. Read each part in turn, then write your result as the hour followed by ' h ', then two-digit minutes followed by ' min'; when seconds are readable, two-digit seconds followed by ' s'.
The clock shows 4 h 10 min
